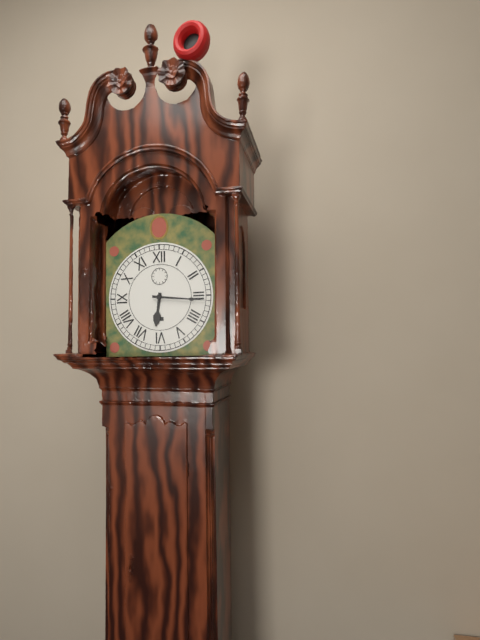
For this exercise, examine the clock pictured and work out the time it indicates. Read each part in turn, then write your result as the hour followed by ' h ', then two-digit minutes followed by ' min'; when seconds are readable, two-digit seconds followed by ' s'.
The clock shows 6 h 16 min
